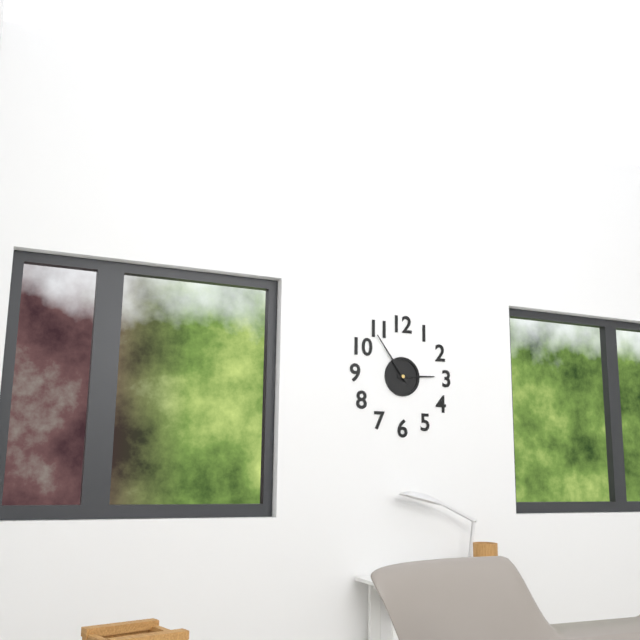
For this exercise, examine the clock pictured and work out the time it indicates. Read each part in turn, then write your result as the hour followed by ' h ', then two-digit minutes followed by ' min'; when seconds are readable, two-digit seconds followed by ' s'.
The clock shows 2 h 54 min
